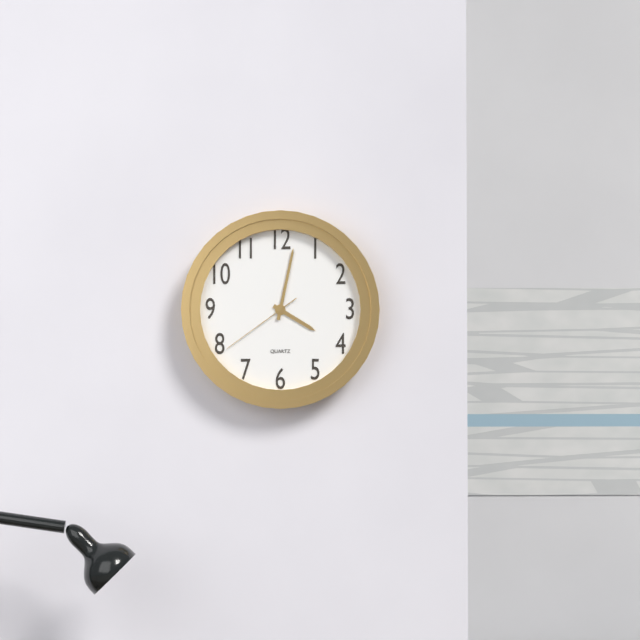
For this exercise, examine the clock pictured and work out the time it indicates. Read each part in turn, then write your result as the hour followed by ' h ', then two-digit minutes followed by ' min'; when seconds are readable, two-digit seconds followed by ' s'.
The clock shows 4 h 02 min 39 s
